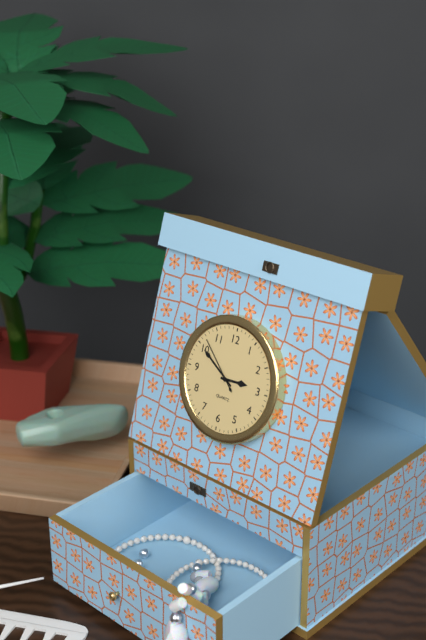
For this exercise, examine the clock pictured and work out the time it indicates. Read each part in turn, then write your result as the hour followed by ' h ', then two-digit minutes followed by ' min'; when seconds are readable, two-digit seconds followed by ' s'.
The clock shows 2 h 50 min 52 s
